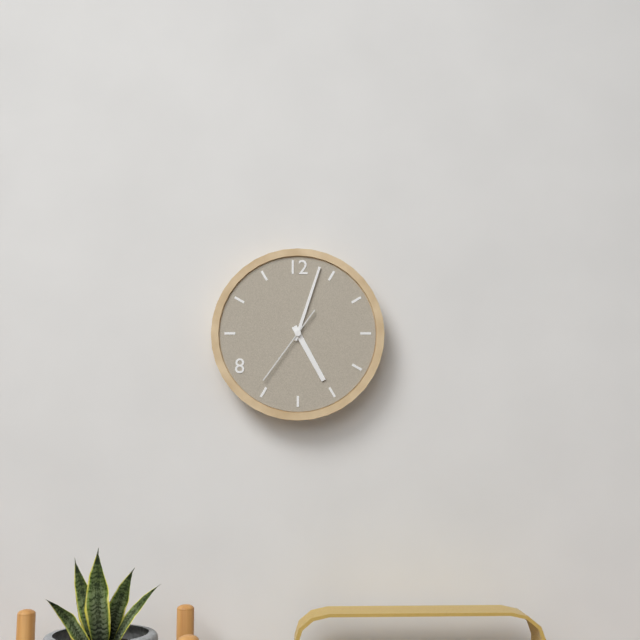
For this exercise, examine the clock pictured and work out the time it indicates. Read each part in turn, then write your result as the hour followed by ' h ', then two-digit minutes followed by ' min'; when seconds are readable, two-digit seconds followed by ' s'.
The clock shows 5 h 03 min 36 s
